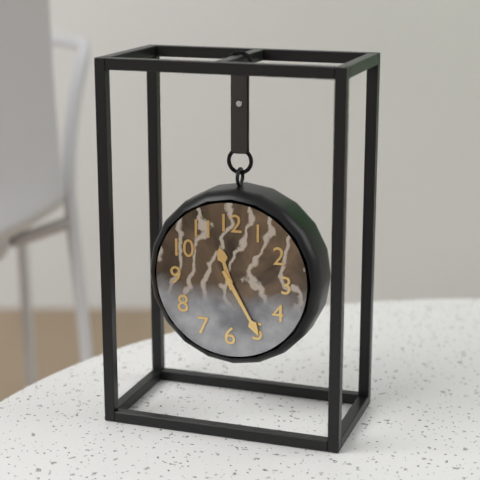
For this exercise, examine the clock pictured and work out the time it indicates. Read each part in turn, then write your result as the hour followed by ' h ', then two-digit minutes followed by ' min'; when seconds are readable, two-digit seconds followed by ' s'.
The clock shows 11 h 25 min
